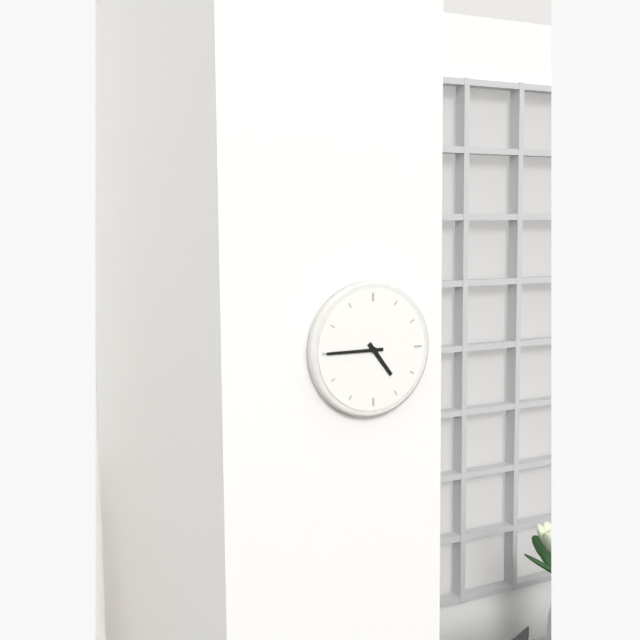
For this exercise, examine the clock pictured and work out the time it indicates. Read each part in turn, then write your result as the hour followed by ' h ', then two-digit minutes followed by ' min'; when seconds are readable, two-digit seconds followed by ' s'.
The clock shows 4 h 45 min
